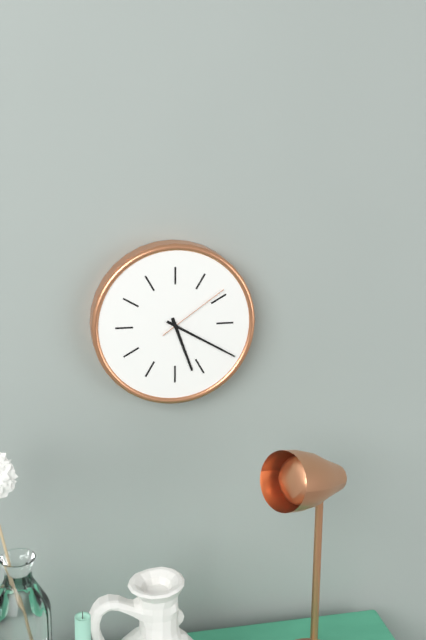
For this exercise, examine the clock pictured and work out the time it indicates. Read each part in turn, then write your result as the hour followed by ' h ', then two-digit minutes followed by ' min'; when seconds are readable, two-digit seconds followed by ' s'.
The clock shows 5 h 20 min 09 s
